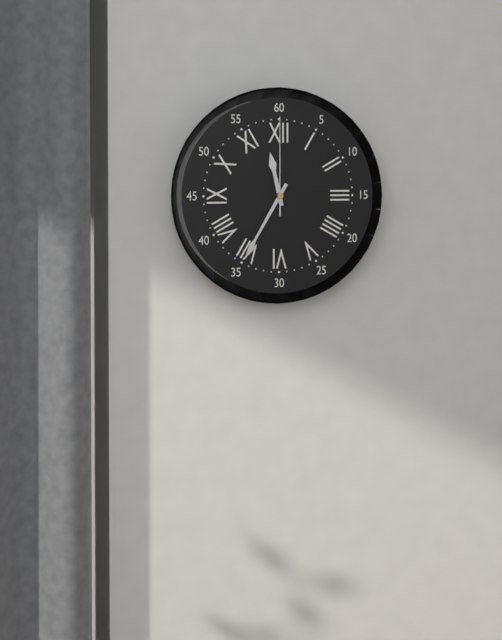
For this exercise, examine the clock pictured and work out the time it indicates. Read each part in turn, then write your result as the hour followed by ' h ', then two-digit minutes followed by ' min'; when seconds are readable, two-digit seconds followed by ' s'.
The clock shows 11 h 35 min 00 s
